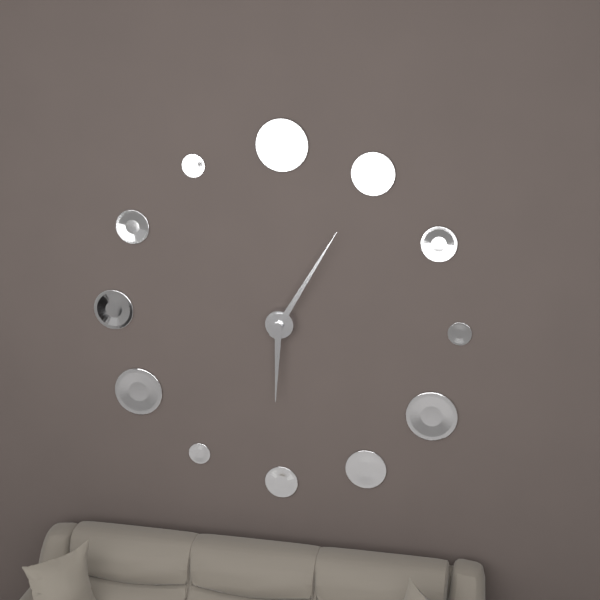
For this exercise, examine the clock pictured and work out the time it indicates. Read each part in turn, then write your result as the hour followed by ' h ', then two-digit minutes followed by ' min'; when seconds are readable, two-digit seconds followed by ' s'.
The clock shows 6 h 05 min
